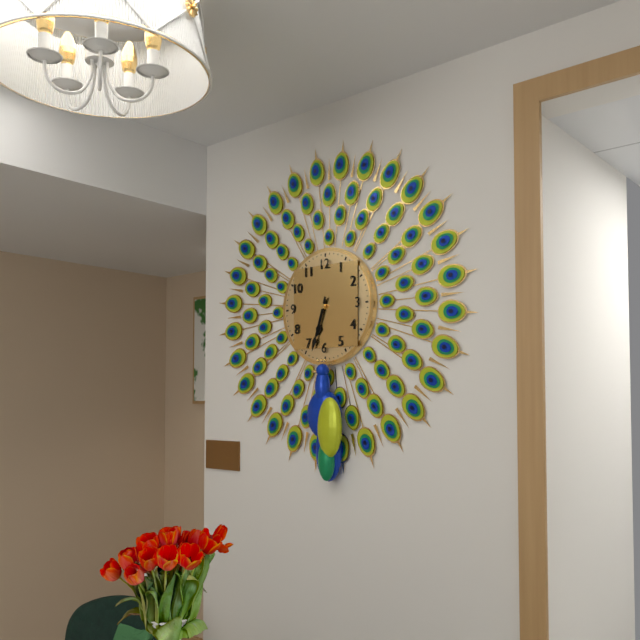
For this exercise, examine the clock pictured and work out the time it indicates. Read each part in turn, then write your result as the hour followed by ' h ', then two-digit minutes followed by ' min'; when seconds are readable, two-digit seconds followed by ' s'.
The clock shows 6 h 33 min
